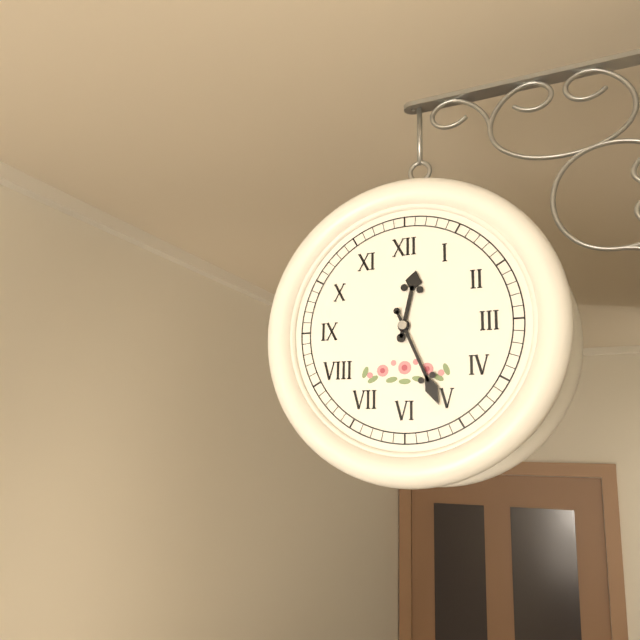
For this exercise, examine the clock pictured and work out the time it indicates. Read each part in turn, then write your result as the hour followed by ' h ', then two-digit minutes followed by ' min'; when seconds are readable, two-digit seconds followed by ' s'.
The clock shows 12 h 26 min
